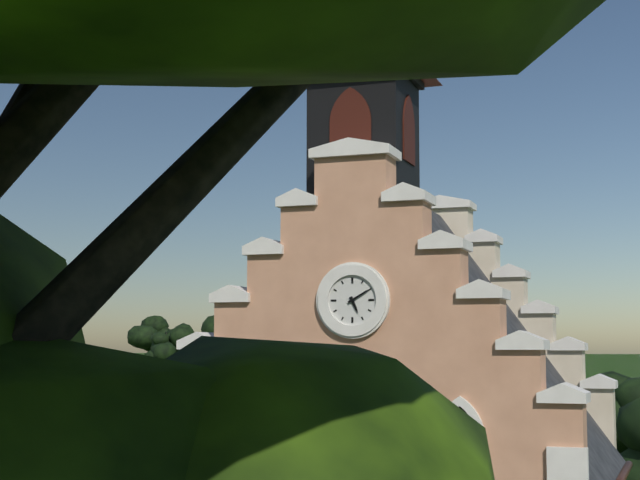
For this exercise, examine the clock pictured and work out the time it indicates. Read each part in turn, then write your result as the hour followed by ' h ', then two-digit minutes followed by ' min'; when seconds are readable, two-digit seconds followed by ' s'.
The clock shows 5 h 10 min
